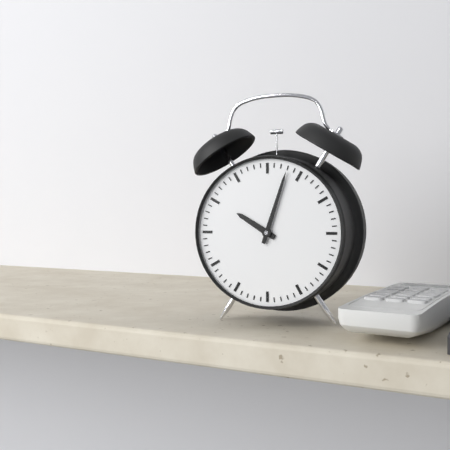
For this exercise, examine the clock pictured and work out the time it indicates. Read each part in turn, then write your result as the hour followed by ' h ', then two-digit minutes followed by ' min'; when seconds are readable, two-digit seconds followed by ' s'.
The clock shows 10 h 03 min
